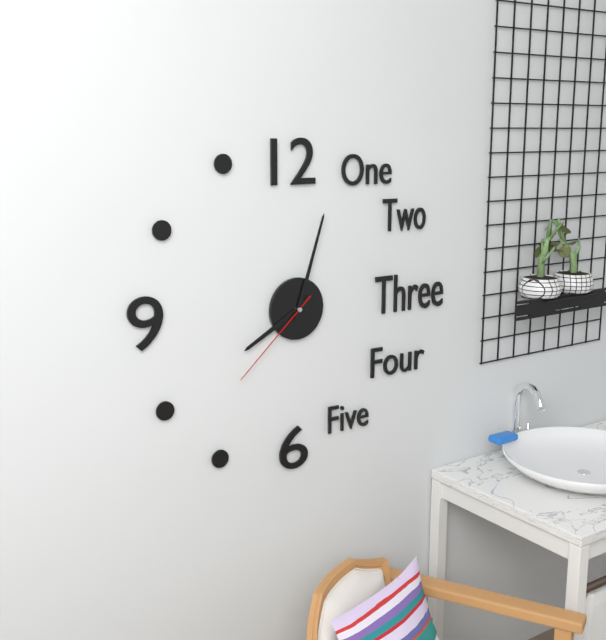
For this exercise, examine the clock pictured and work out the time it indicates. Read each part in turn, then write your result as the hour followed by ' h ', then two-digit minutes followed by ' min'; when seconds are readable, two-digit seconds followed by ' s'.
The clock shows 8 h 03 min 38 s
